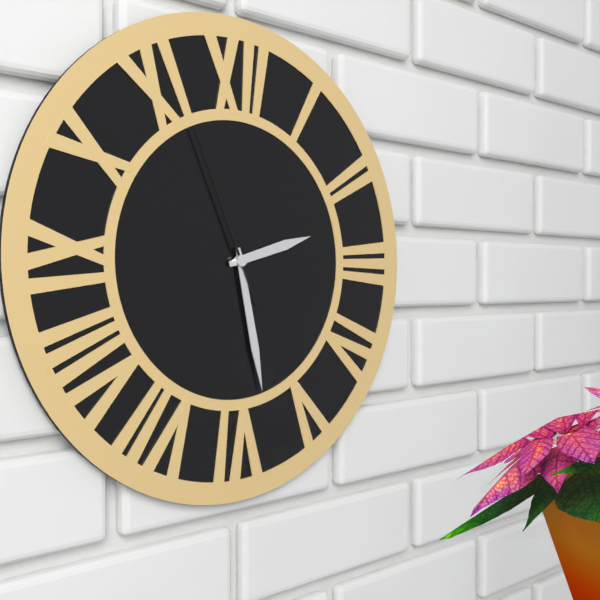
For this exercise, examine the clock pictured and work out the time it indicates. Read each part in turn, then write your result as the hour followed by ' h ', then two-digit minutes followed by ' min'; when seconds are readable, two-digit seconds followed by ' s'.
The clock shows 2 h 28 min 56 s
